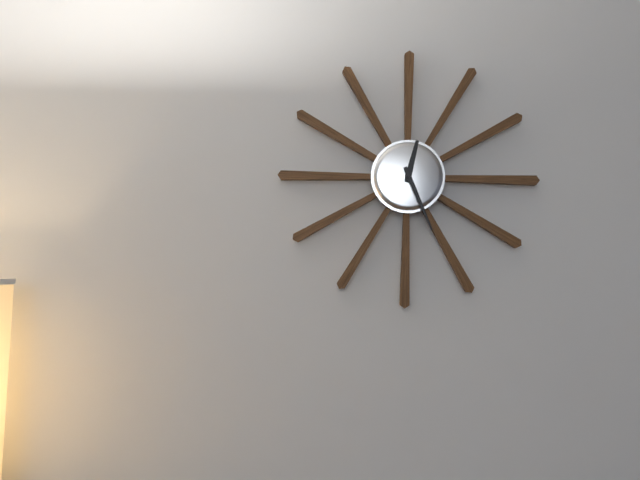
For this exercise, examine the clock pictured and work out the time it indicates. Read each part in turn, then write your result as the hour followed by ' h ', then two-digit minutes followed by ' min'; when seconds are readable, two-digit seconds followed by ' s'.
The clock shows 12 h 26 min
